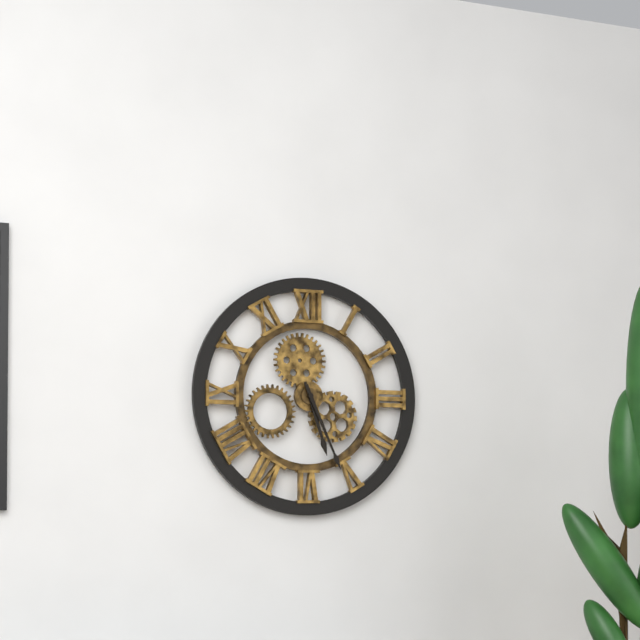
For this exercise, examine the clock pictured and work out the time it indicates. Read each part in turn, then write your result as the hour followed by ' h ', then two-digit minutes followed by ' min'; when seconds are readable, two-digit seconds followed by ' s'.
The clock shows 5 h 26 min
